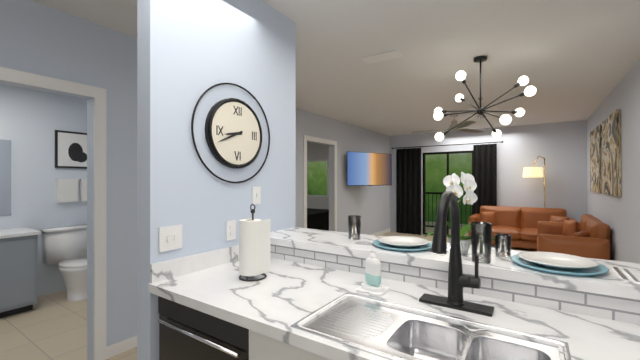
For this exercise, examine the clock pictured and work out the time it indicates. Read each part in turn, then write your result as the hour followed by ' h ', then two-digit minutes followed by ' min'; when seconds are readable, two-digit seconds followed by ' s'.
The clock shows 8 h 41 min
